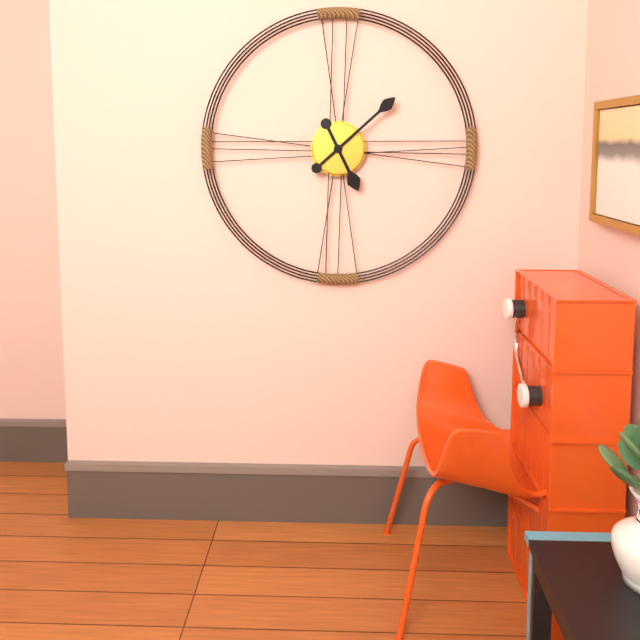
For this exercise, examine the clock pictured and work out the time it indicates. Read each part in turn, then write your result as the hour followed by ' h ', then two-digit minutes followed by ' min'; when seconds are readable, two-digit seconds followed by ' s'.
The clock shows 5 h 08 min
